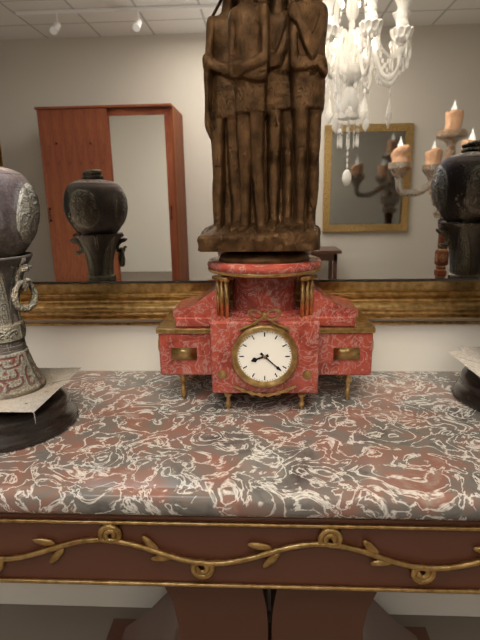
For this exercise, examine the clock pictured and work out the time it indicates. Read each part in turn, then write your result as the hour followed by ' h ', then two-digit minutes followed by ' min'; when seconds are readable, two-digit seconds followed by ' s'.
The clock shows 8 h 22 min
